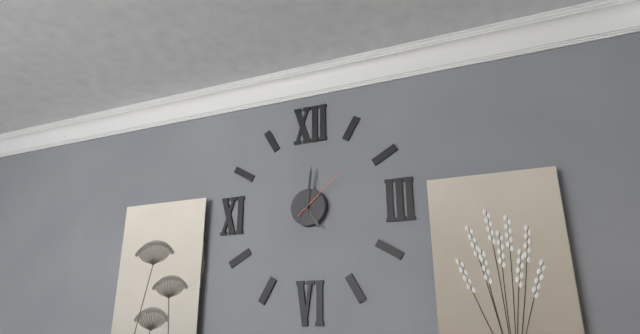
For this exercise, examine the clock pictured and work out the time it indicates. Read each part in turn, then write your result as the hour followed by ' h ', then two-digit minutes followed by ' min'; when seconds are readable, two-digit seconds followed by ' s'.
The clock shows 5 h 01 min 08 s
